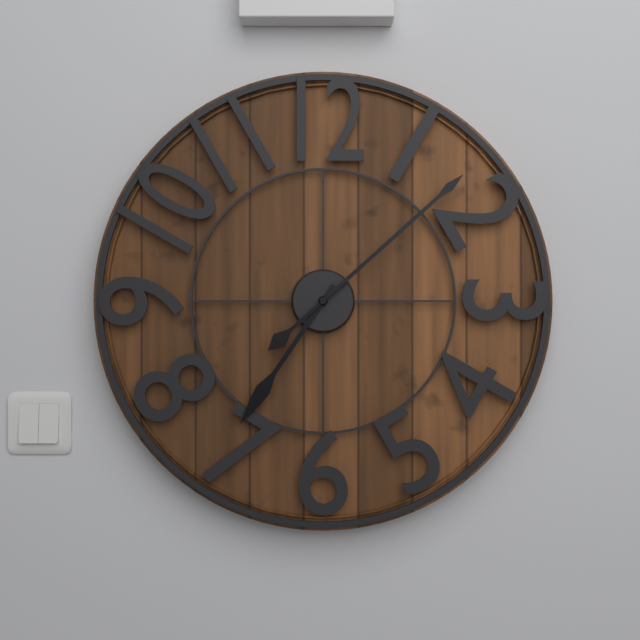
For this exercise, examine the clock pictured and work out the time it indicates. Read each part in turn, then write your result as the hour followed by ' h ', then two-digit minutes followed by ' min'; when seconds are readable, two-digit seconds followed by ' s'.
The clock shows 7 h 08 min
